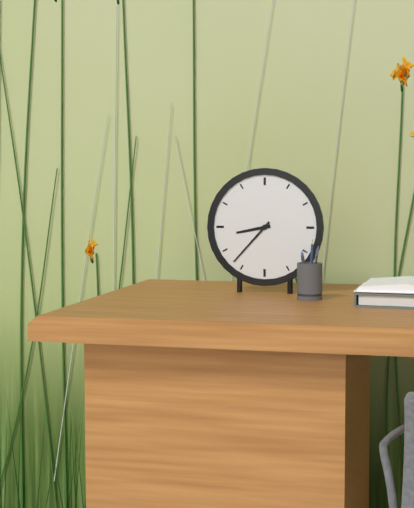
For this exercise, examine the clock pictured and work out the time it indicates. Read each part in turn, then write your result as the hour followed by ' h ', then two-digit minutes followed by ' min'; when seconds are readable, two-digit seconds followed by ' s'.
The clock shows 8 h 37 min
